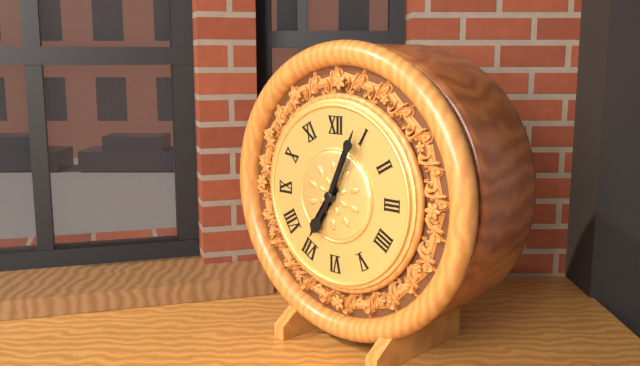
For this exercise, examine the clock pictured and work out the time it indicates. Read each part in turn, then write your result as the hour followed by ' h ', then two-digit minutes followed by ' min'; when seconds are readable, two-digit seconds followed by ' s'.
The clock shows 7 h 04 min
